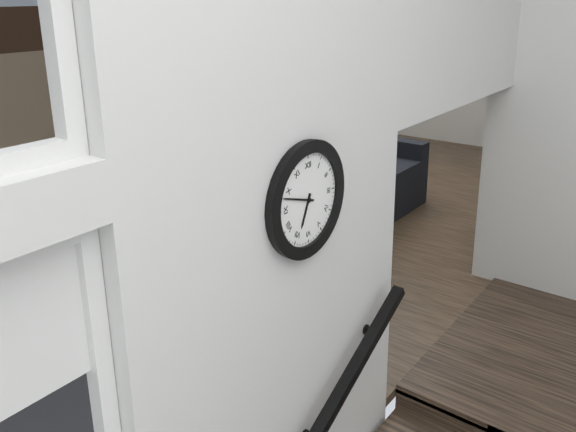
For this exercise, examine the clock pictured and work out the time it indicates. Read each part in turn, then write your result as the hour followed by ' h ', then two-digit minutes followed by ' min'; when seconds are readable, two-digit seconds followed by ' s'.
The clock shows 6 h 48 min
